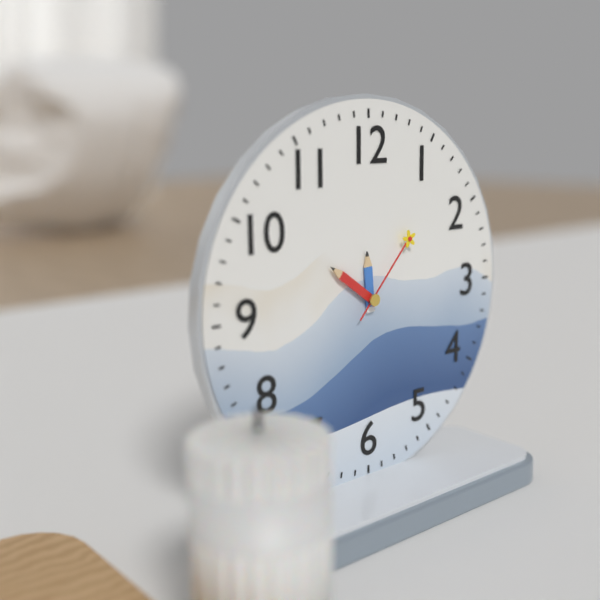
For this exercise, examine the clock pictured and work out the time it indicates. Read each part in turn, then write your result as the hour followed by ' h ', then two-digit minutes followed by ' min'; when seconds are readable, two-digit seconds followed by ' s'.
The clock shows 11 h 51 min 07 s
